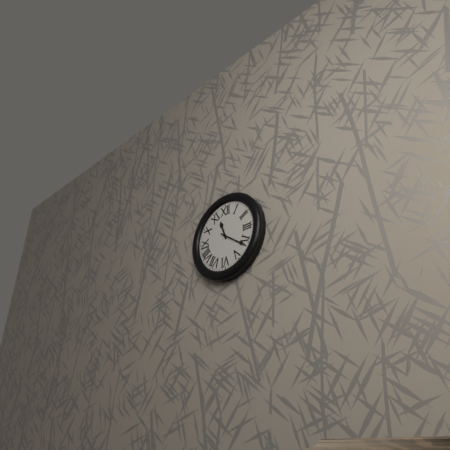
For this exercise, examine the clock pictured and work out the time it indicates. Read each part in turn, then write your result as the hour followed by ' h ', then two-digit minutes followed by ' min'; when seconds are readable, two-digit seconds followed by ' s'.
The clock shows 11 h 21 min
